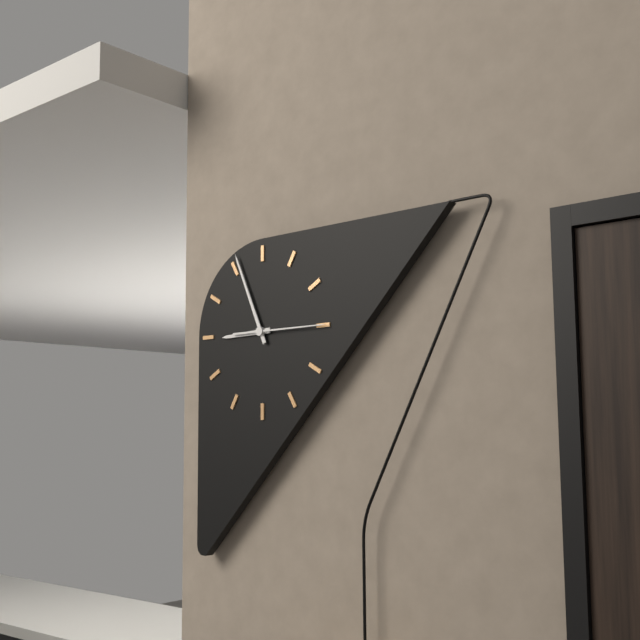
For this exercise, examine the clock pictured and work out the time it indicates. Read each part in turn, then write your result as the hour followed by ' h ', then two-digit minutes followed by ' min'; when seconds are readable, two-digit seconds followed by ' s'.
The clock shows 8 h 56 min 15 s
